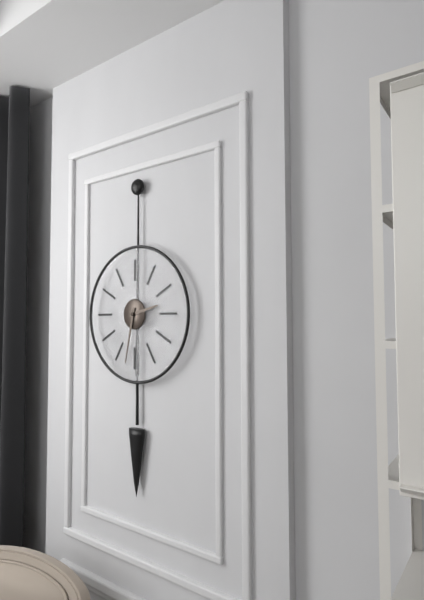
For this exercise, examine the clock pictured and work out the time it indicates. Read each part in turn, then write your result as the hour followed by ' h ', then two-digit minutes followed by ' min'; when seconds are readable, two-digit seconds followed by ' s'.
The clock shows 2 h 32 min
